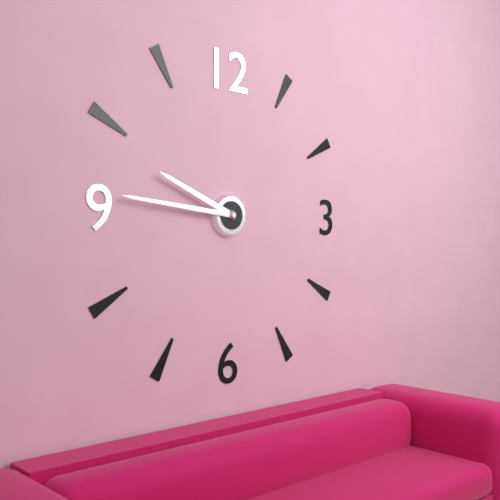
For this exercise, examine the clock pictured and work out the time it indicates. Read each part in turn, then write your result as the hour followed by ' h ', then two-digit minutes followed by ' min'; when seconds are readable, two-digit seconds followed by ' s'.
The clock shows 9 h 46 min
